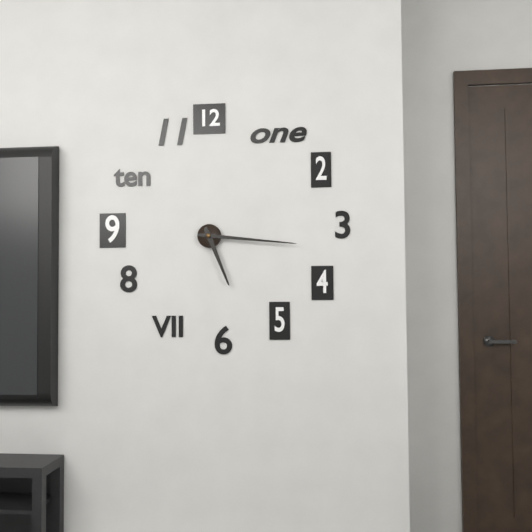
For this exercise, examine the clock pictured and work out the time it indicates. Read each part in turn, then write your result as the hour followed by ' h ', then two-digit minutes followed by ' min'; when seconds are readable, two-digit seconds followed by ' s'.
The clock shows 5 h 16 min
